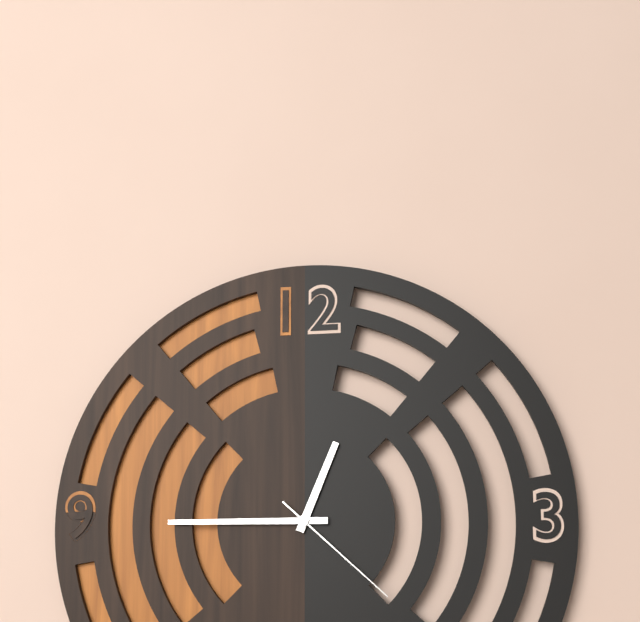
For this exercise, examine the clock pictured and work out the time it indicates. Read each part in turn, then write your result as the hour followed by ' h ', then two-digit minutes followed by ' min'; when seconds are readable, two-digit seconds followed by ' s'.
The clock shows 12 h 45 min 22 s
